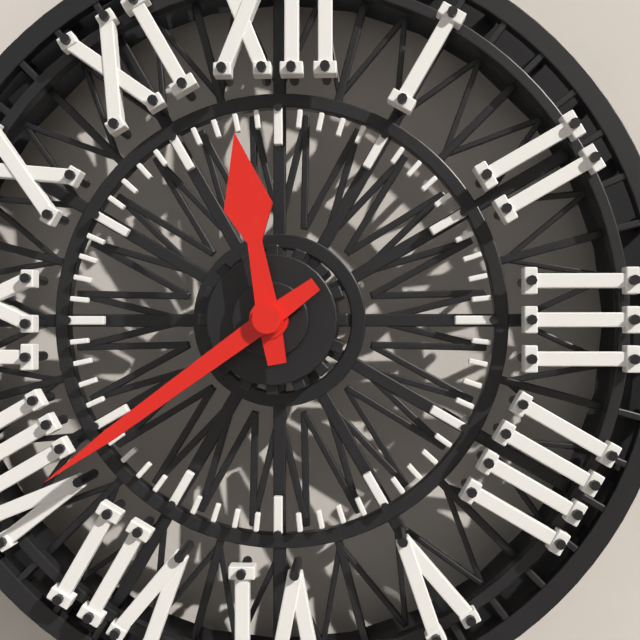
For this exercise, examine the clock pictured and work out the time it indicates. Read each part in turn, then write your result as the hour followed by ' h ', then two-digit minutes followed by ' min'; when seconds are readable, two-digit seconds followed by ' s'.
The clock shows 11 h 39 min
